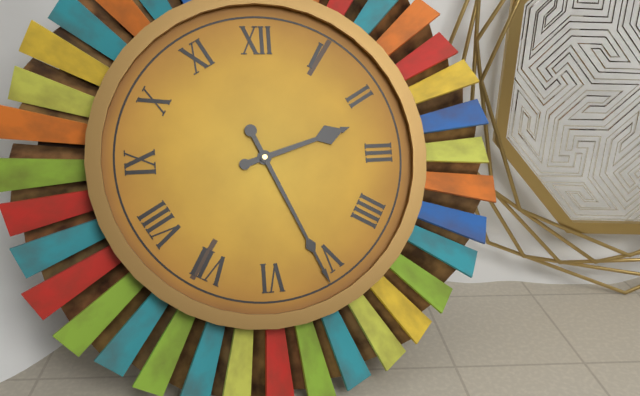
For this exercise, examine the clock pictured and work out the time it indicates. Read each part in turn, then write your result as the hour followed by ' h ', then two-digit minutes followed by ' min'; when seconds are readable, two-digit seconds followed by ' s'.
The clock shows 2 h 26 min
